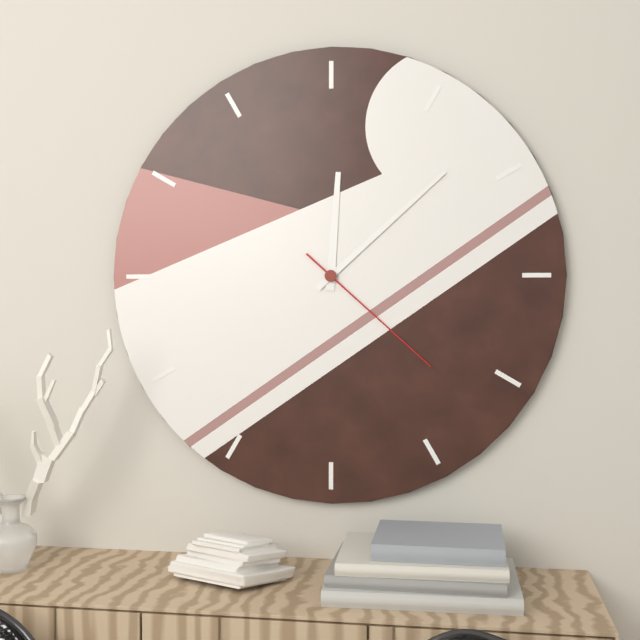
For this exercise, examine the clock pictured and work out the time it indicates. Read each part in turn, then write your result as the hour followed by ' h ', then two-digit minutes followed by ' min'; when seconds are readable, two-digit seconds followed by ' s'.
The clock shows 12 h 08 min 22 s
